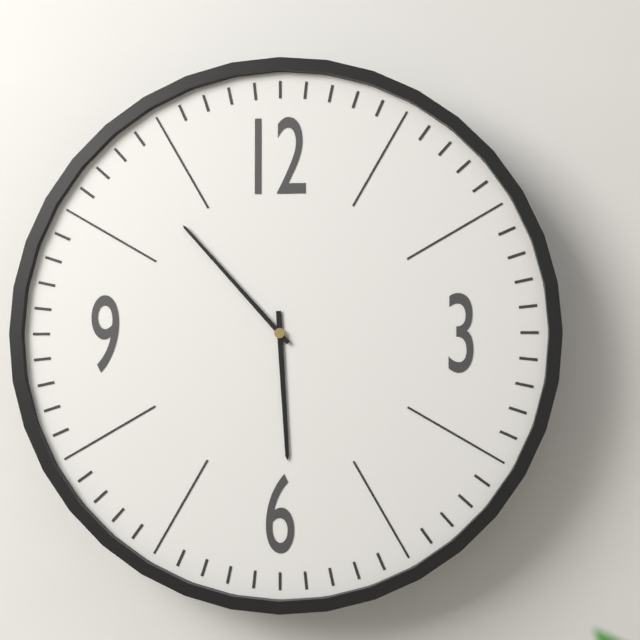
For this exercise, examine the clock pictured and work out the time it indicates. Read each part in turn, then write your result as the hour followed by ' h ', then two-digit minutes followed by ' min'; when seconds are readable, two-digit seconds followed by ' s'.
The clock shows 5 h 53 min
